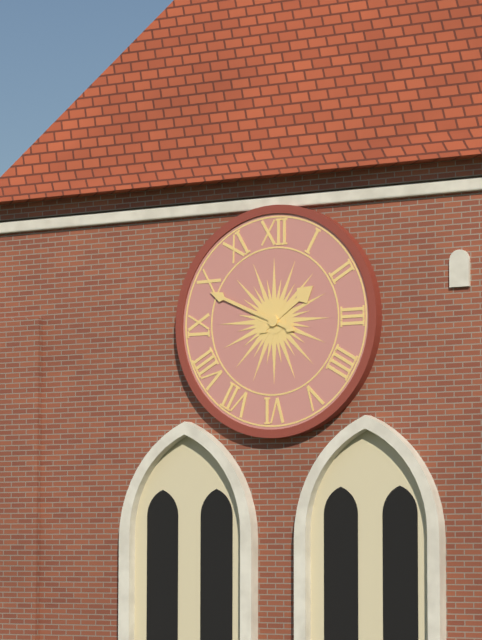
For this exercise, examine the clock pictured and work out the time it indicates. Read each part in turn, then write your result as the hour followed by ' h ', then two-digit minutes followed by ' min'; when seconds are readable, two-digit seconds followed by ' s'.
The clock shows 1 h 49 min
